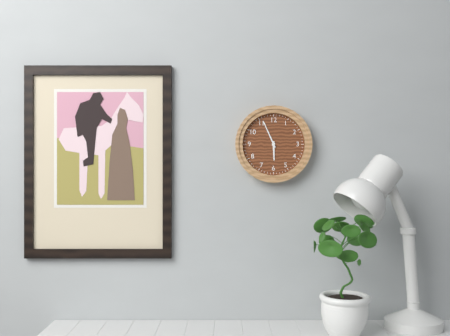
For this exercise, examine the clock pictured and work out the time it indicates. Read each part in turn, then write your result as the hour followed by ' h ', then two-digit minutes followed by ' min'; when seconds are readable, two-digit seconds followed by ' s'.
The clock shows 5 h 56 min
